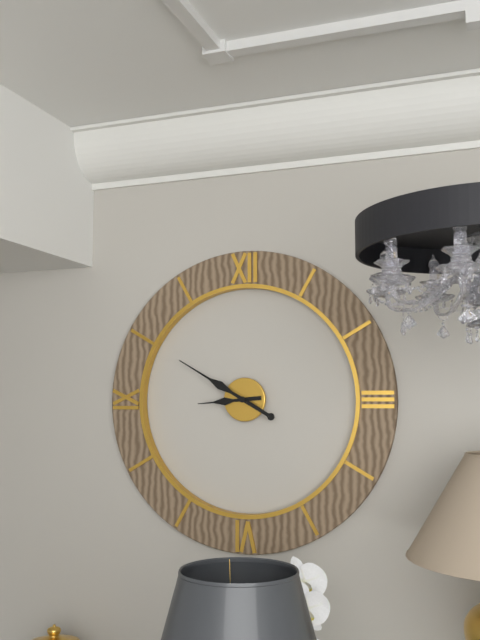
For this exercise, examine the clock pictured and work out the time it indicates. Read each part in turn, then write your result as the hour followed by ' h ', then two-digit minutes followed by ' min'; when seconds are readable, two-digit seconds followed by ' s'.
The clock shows 8 h 50 min
